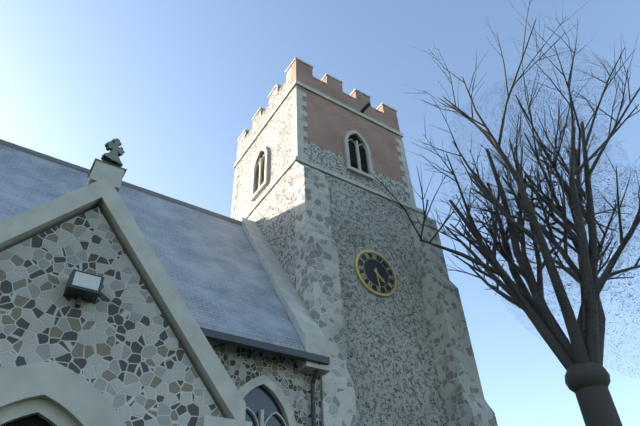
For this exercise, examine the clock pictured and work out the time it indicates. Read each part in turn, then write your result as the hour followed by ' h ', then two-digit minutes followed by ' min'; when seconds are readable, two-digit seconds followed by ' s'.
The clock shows 4 h 29 min
